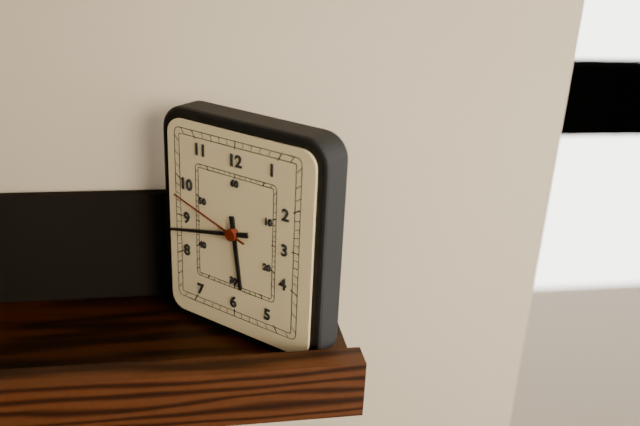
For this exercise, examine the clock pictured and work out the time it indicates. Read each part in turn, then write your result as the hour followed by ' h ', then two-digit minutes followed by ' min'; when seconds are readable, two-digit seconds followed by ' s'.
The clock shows 5 h 43 min 48 s
